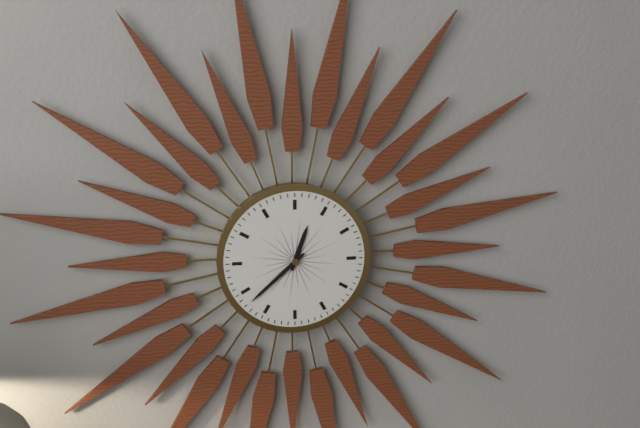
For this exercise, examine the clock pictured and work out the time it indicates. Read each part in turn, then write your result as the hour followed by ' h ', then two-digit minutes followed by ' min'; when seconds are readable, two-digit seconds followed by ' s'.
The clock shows 12 h 38 min
